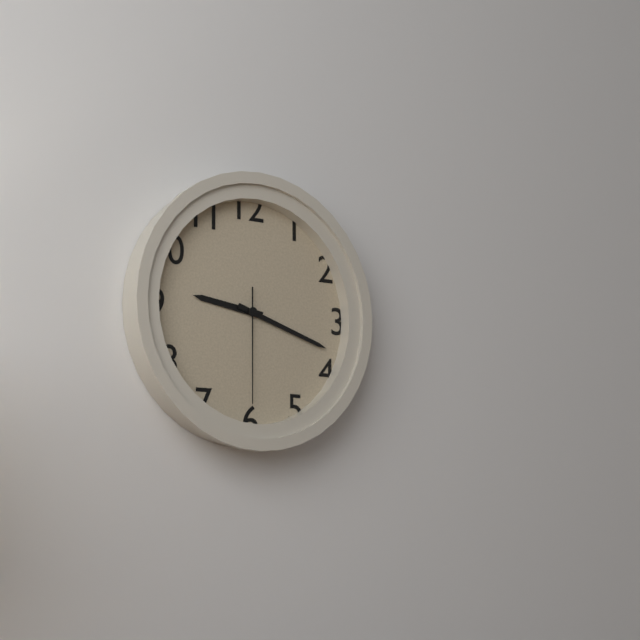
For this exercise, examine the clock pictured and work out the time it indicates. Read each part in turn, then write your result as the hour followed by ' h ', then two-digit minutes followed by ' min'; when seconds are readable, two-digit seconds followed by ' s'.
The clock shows 9 h 18 min 30 s
